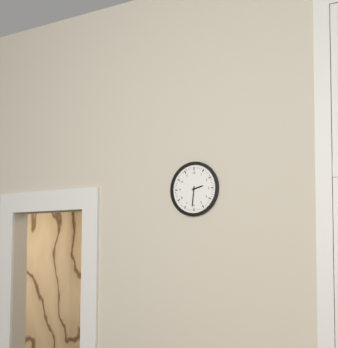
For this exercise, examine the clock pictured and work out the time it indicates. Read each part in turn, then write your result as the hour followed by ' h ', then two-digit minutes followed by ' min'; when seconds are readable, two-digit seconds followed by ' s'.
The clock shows 2 h 31 min
